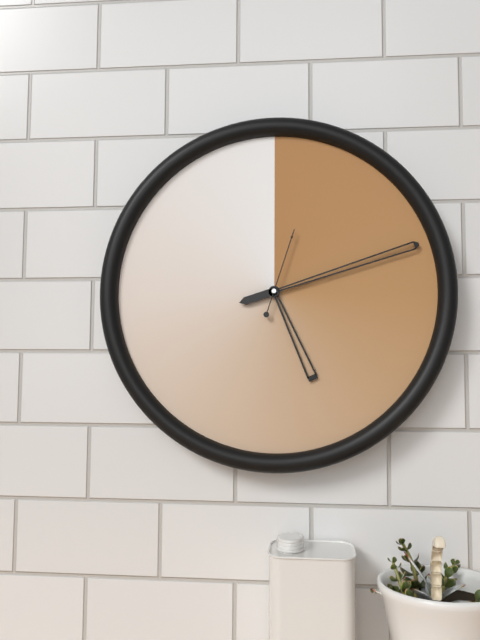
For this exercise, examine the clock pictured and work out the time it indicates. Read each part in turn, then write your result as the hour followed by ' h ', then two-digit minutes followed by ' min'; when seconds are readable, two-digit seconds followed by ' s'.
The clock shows 5 h 12 min 03 s
